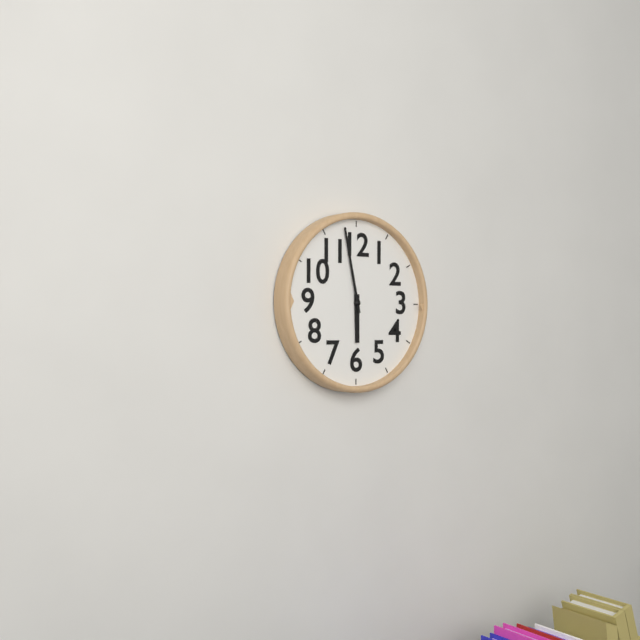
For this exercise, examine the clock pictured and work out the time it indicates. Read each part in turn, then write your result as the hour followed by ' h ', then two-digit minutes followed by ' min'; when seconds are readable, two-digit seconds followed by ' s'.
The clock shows 5 h 58 min
